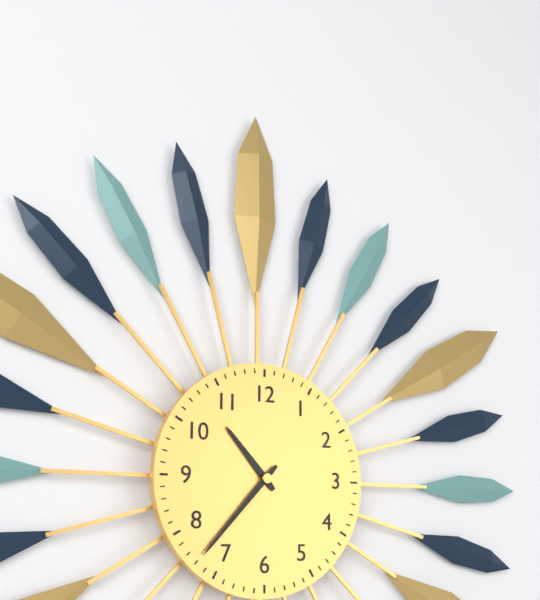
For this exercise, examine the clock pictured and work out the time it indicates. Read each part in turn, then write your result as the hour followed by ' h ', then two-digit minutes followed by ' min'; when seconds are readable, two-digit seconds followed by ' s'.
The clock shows 10 h 37 min
